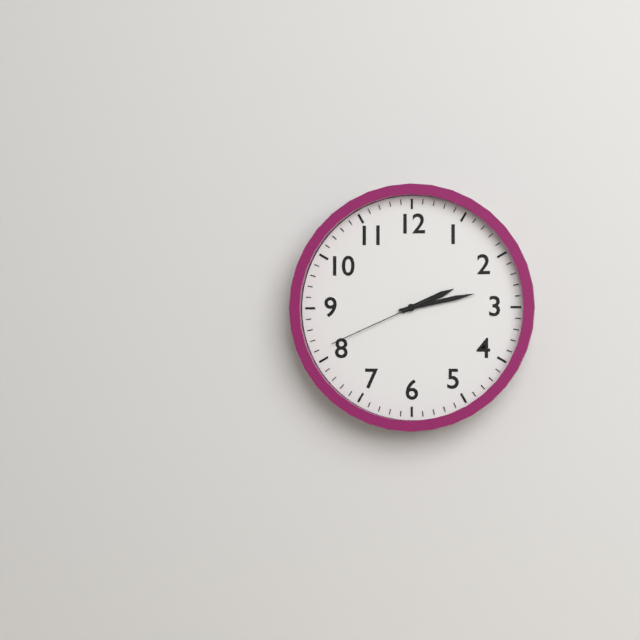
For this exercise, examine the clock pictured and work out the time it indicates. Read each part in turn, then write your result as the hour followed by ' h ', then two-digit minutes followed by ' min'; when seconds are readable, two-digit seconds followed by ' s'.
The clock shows 2 h 13 min 41 s
